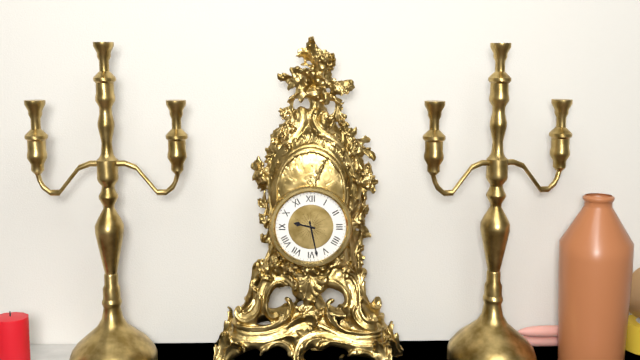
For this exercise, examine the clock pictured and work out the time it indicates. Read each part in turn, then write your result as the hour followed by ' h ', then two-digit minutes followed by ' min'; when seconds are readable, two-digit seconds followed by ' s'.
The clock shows 9 h 28 min
